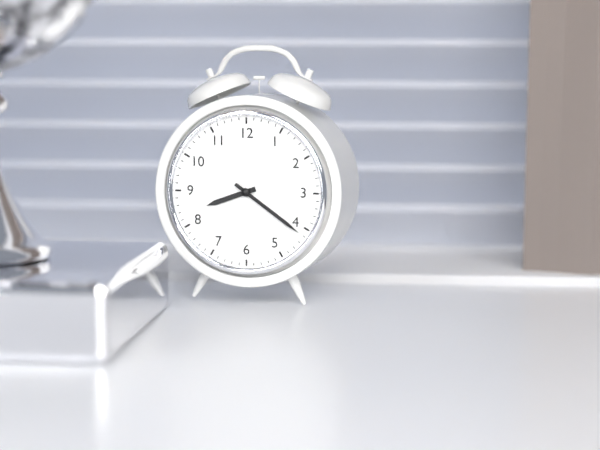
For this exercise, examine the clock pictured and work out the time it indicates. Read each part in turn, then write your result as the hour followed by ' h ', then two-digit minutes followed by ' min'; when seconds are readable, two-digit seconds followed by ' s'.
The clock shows 8 h 21 min
